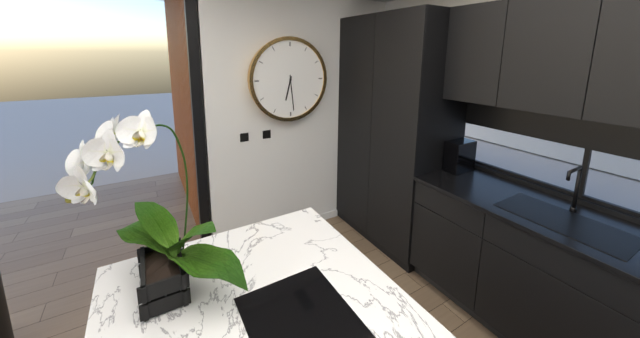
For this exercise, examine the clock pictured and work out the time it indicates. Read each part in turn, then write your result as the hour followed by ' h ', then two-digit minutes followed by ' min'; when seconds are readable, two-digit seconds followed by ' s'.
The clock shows 6 h 29 min
